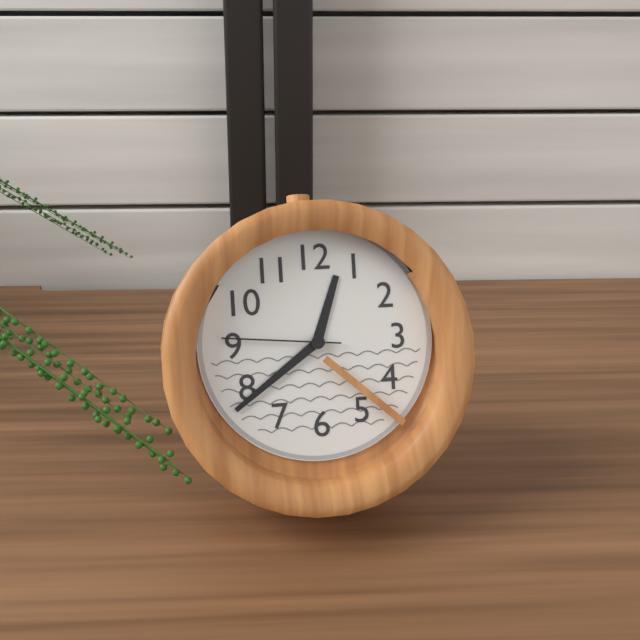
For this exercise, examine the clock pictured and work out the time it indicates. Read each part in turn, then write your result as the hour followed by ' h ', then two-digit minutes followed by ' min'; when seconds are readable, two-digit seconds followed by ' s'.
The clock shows 12 h 39 min 46 s
